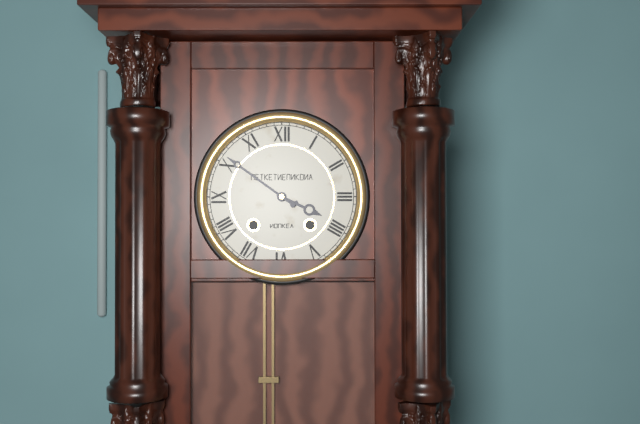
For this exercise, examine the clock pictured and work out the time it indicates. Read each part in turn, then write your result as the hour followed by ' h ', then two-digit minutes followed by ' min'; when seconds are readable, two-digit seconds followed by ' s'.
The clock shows 3 h 51 min
